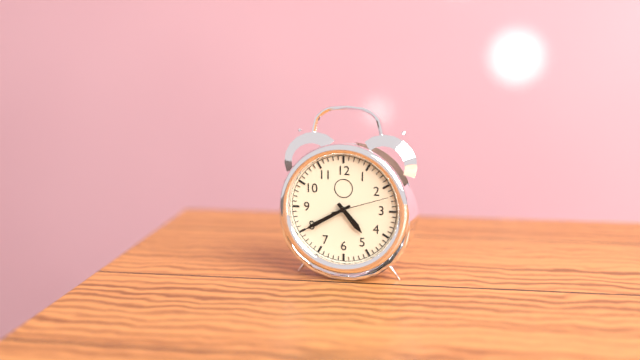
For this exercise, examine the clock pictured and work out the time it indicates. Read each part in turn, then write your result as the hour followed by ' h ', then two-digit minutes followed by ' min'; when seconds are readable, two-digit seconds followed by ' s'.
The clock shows 4 h 40 min 12 s
